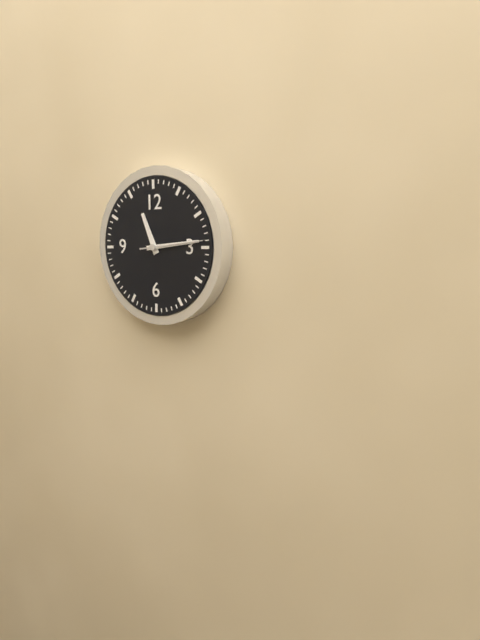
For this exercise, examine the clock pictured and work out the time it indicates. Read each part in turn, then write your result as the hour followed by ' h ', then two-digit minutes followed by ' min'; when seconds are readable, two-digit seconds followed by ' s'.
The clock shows 11 h 14 min 14 s
